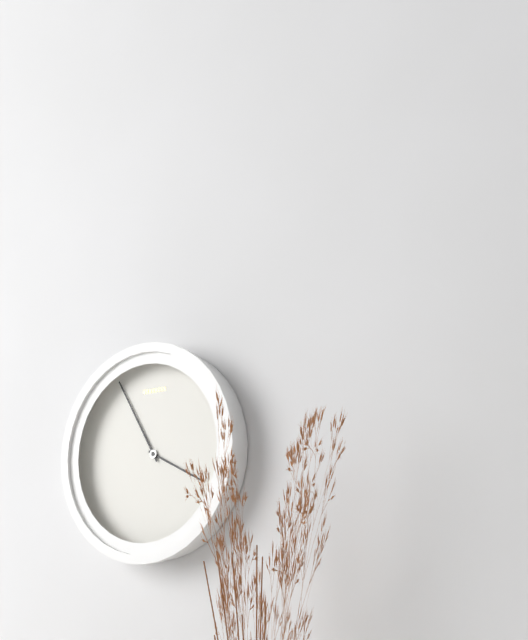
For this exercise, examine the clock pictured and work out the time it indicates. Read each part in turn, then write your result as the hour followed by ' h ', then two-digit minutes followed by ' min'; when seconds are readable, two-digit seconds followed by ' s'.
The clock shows 3 h 55 min
